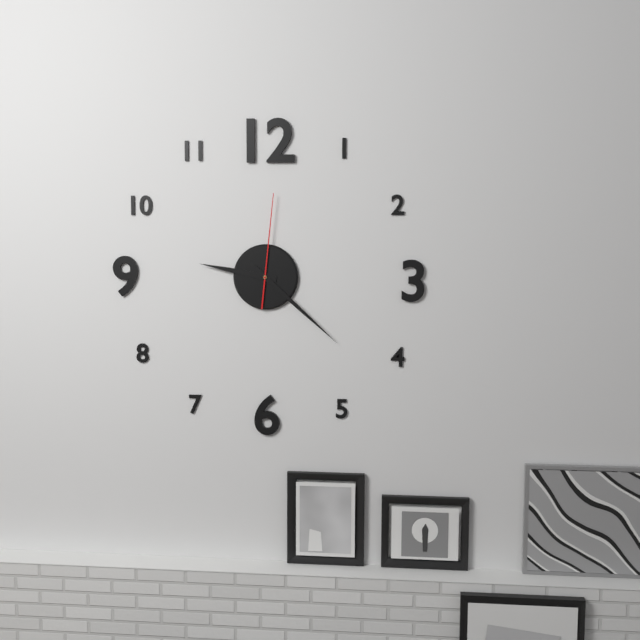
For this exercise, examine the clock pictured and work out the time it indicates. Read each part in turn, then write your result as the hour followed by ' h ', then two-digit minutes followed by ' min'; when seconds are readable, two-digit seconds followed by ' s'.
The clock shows 9 h 22 min 01 s
